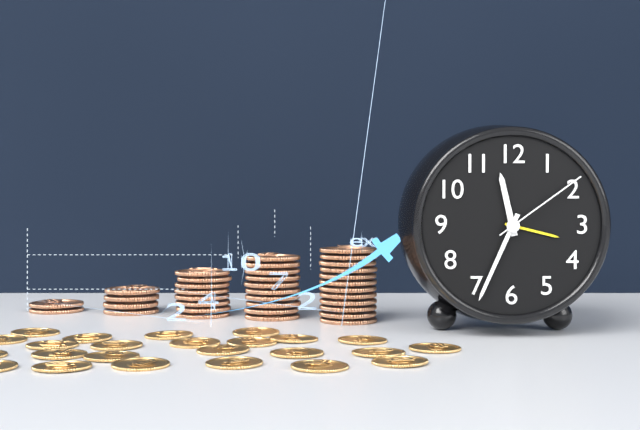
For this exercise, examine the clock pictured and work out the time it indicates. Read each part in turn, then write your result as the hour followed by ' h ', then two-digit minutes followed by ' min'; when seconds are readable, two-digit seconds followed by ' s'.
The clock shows 11 h 34 min 09 s
